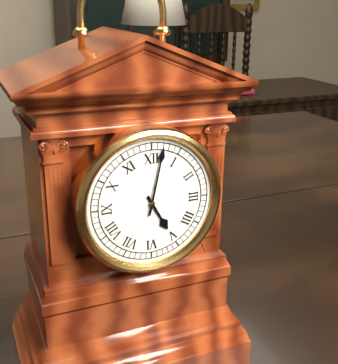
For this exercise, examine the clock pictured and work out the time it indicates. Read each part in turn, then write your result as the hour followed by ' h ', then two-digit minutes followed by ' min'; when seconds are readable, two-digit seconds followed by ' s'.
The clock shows 5 h 02 min
